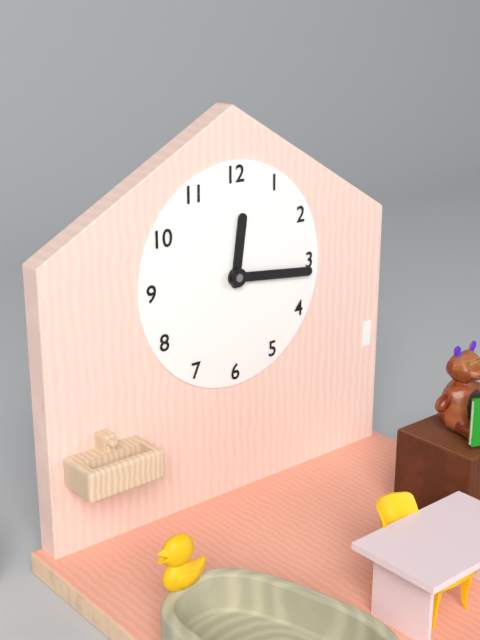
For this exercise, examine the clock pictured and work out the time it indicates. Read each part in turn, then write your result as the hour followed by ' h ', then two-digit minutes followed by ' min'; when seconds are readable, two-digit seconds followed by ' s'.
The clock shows 12 h 16 min
